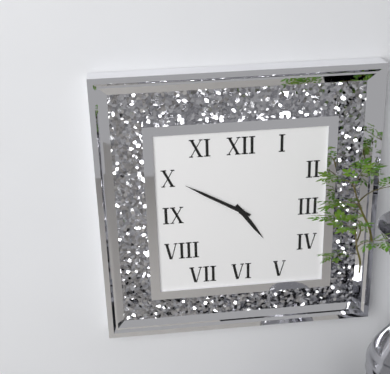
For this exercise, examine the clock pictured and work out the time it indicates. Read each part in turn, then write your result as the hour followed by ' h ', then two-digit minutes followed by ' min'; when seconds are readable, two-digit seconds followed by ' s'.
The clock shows 4 h 50 min
